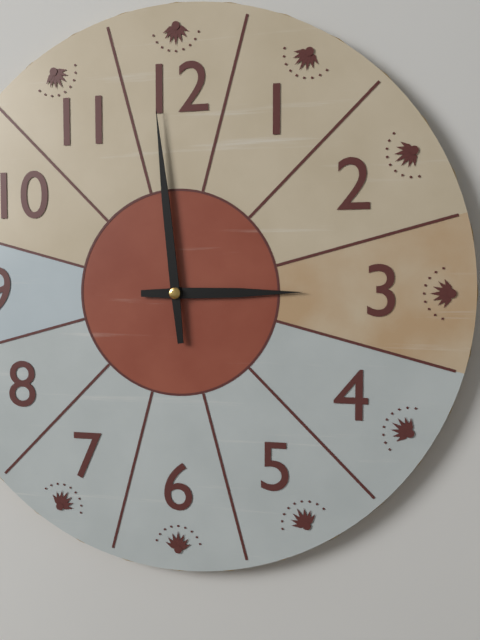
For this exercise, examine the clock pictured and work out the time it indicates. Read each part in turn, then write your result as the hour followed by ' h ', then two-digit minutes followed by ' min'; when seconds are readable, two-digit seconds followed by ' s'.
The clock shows 2 h 59 min
